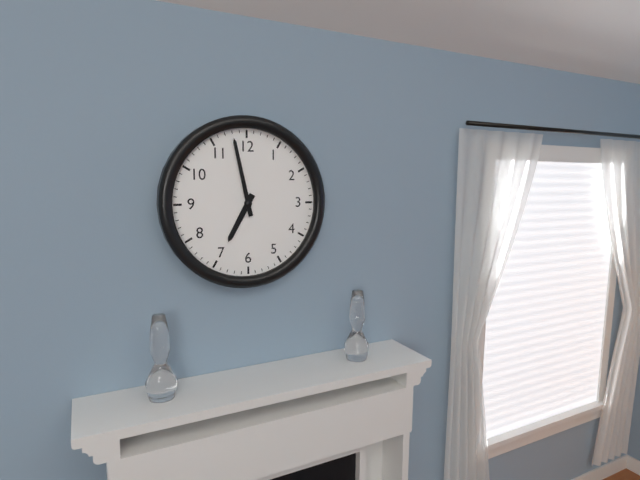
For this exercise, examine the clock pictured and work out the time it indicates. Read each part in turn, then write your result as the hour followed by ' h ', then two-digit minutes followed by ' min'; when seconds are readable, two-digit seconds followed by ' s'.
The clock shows 6 h 58 min
